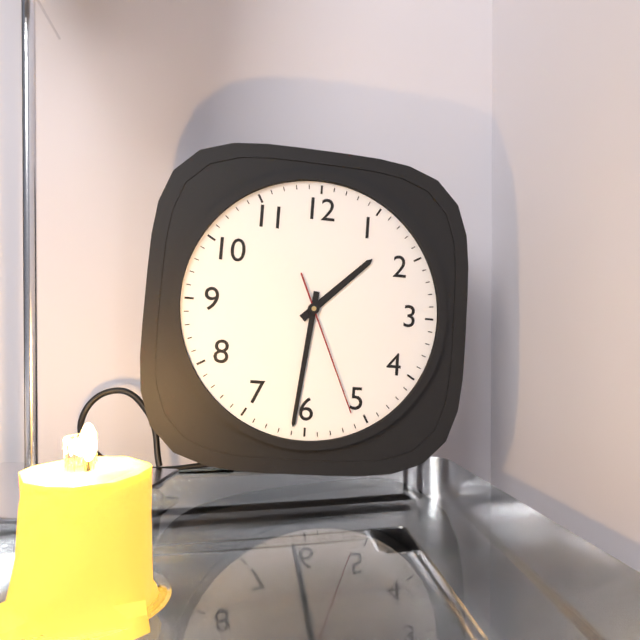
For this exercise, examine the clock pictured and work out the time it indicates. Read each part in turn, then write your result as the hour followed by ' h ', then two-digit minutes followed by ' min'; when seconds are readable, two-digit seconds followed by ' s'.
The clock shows 1 h 31 min 26 s
